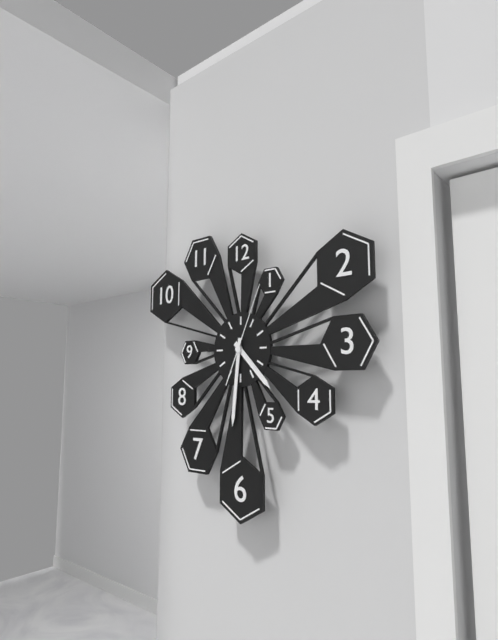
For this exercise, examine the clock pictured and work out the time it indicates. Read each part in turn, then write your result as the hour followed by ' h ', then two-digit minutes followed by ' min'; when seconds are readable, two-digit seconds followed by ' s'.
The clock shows 4 h 31 min 04 s
